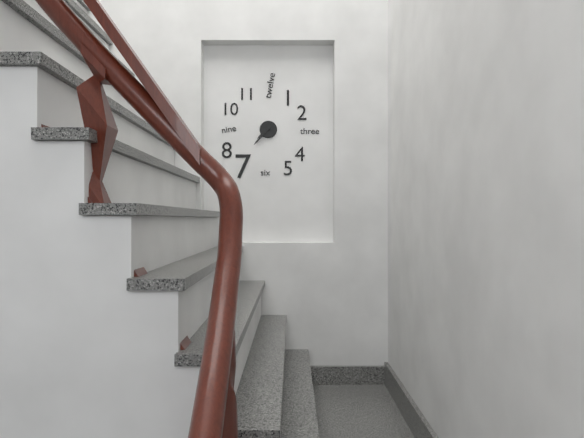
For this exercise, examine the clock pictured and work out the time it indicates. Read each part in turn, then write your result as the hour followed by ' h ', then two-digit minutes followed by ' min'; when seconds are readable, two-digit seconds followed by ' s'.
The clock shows 7 h 37 min
